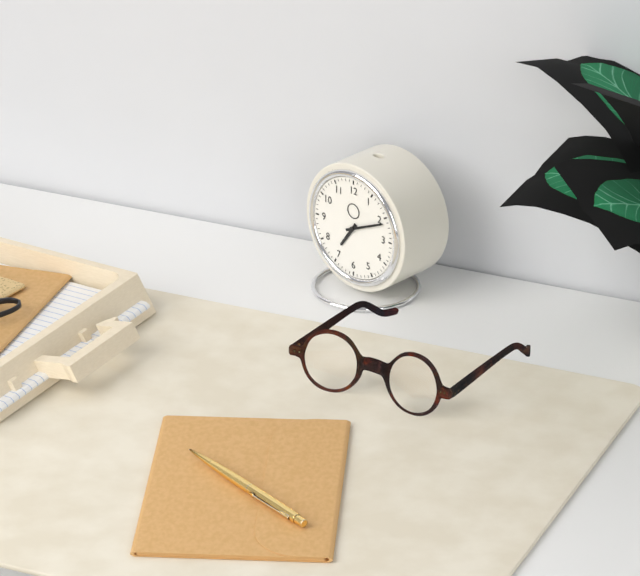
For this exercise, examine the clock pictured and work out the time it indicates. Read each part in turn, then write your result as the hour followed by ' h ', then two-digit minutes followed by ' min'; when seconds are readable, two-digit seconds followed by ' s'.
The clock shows 7 h 11 min
